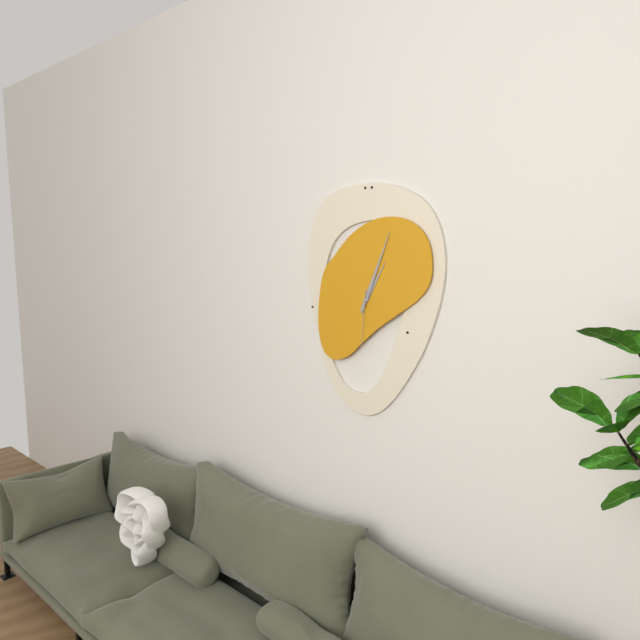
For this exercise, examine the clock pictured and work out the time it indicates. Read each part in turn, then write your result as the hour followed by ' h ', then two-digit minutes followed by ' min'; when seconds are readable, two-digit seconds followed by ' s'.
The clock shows 1 h 04 min 31 s
